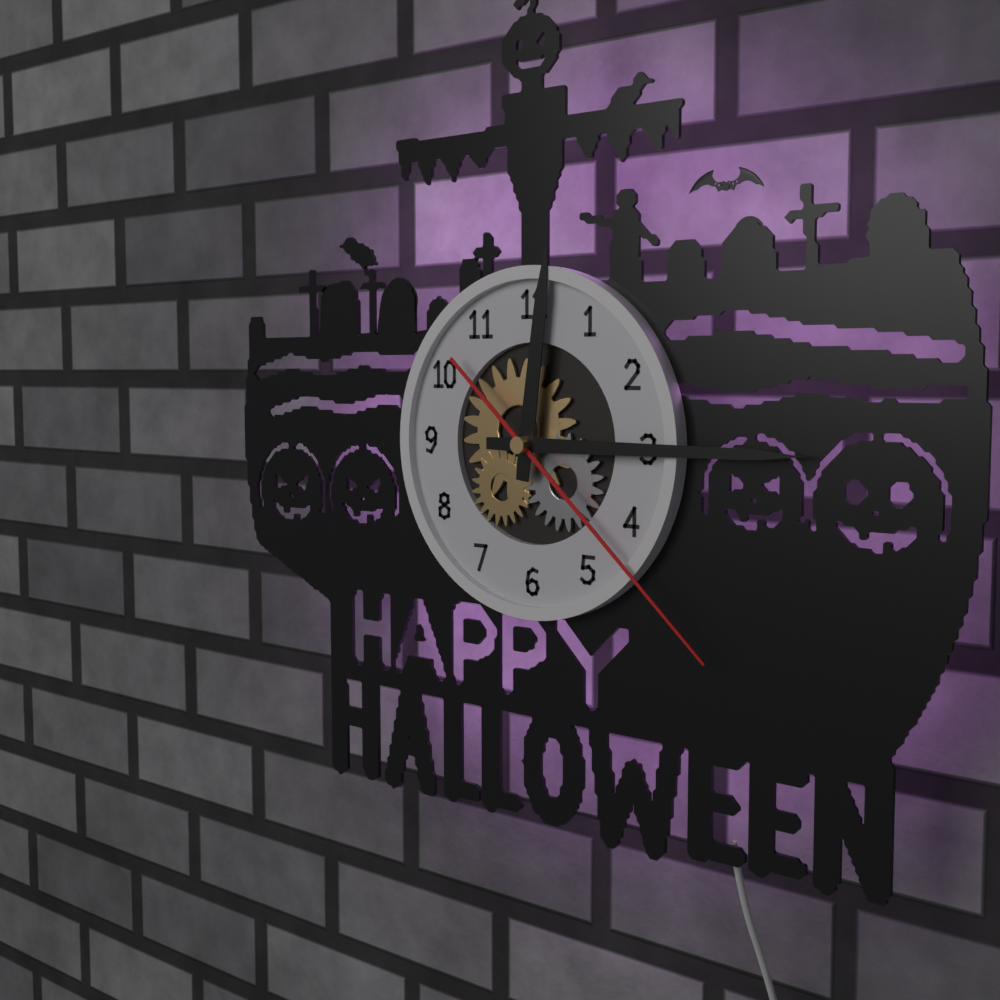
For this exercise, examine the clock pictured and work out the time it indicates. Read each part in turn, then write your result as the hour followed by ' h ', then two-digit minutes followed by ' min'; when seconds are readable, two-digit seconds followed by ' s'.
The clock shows 12 h 15 min 22 s
